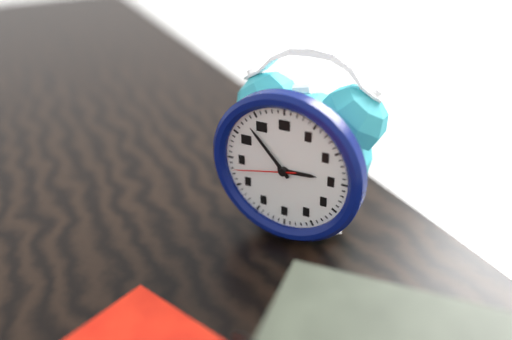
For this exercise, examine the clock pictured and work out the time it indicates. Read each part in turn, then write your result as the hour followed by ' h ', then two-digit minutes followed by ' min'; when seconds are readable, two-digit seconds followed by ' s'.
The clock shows 2 h 53 min 43 s
